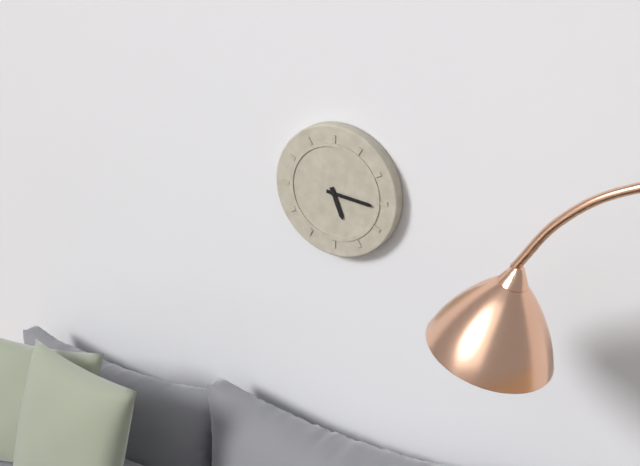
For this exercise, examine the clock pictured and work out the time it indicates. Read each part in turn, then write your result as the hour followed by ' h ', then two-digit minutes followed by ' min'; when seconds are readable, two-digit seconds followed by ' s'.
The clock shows 5 h 16 min
